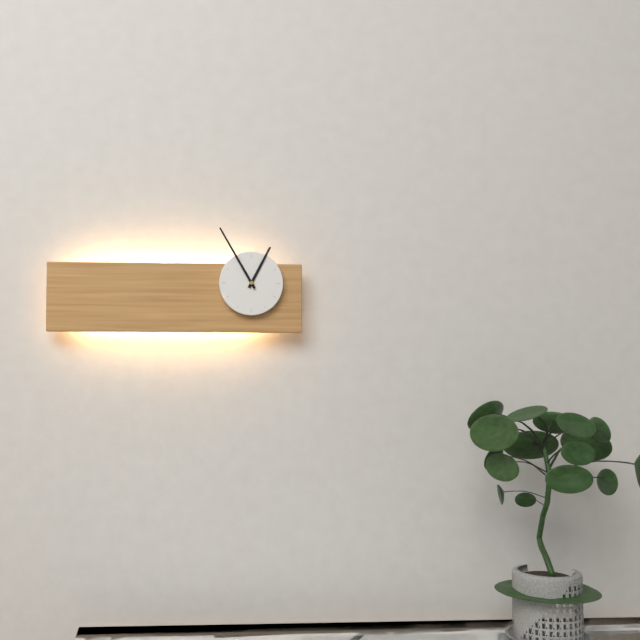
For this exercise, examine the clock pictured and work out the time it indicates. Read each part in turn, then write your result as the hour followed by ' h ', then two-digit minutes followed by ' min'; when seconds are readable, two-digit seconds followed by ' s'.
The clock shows 12 h 55 min
